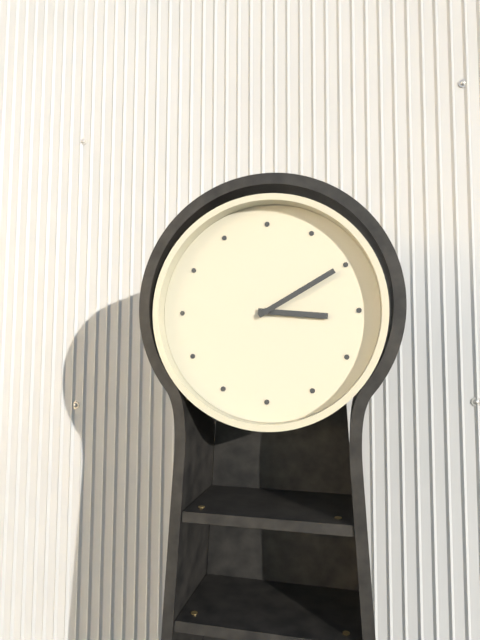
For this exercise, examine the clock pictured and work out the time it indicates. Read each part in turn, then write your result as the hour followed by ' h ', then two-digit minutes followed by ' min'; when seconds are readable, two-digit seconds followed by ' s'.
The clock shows 3 h 10 min
